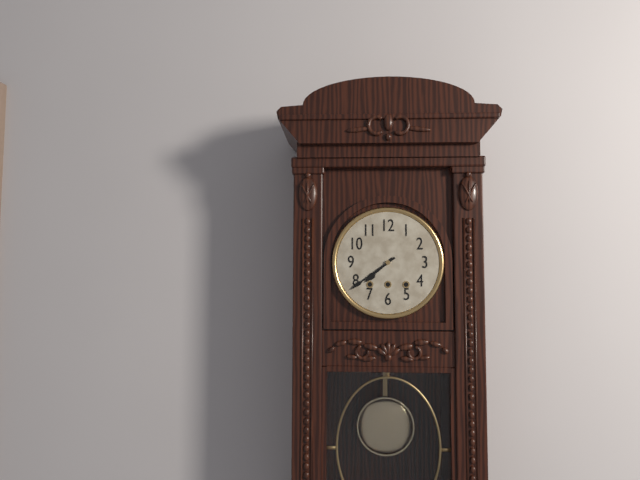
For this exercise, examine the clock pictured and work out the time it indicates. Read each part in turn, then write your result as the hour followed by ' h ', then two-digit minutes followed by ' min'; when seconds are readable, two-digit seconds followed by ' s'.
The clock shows 7 h 39 min
